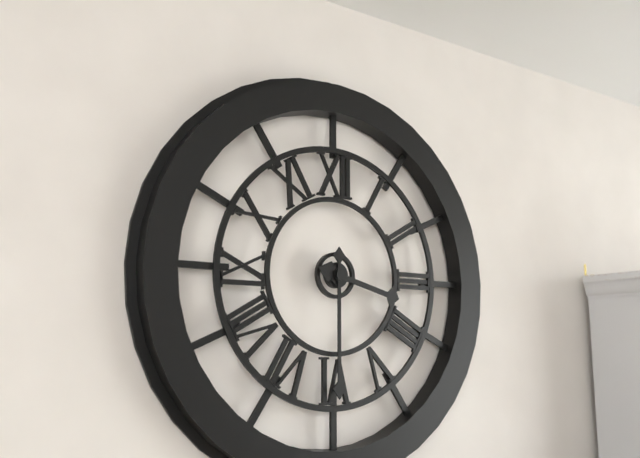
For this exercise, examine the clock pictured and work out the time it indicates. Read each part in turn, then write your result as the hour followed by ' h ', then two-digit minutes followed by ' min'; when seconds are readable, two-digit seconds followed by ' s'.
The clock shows 3 h 30 min
